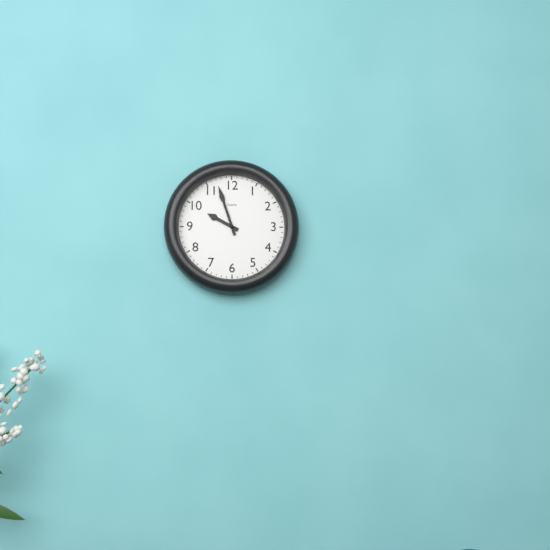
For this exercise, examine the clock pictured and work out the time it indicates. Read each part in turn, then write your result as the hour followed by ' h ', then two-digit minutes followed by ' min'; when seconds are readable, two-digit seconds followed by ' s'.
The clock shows 9 h 57 min
